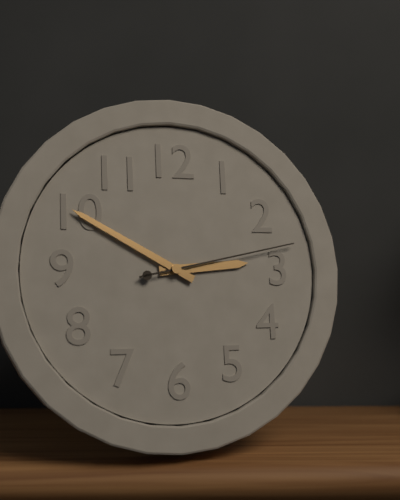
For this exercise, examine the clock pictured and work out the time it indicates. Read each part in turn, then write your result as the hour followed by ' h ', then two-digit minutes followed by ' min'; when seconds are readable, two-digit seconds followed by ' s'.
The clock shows 2 h 50 min 13 s
